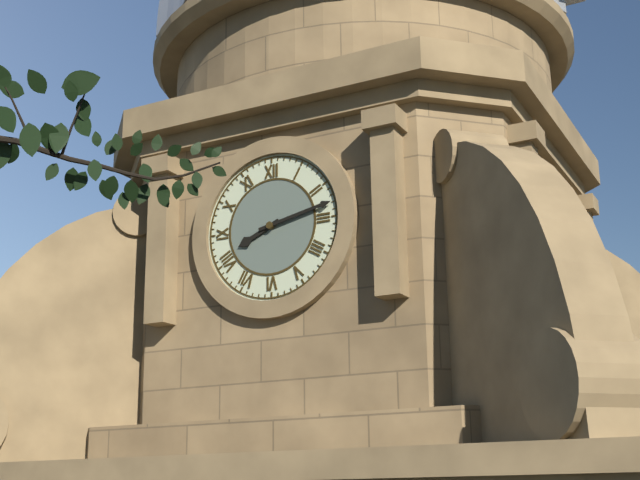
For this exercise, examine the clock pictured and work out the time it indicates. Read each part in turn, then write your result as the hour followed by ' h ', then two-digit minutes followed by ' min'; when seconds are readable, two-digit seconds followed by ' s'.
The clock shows 8 h 13 min
